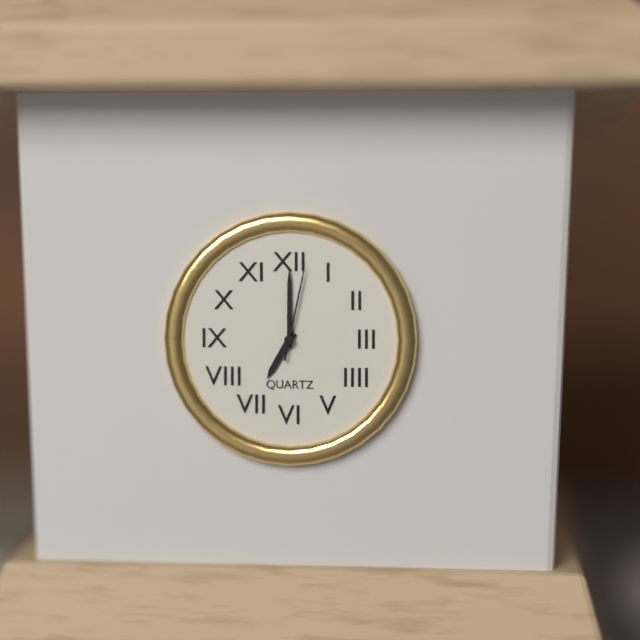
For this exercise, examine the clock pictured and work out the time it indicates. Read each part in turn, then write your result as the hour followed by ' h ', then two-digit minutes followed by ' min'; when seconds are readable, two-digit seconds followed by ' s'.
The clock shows 7 h 00 min 02 s
